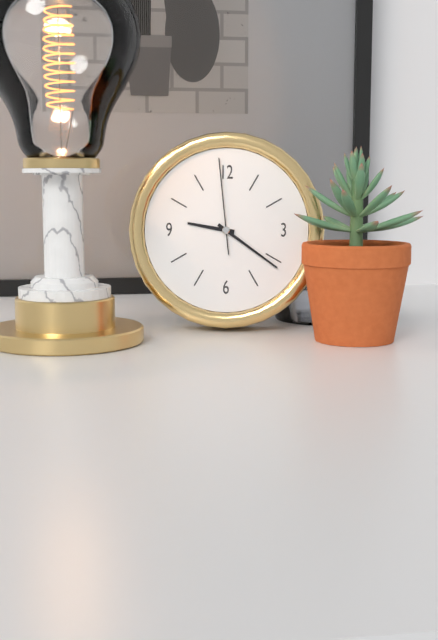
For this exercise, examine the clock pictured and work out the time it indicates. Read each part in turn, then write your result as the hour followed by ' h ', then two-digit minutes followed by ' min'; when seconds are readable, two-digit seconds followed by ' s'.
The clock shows 9 h 21 min 59 s
